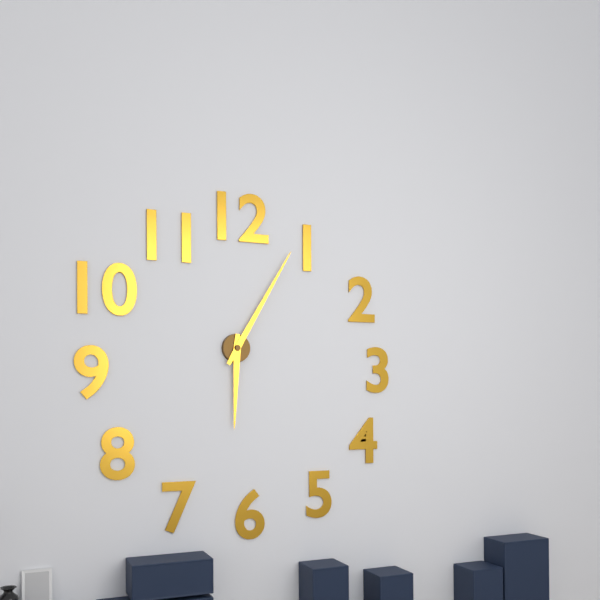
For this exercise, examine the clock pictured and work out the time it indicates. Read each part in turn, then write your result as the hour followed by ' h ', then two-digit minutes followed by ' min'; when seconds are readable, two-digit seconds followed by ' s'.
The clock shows 6 h 05 min
